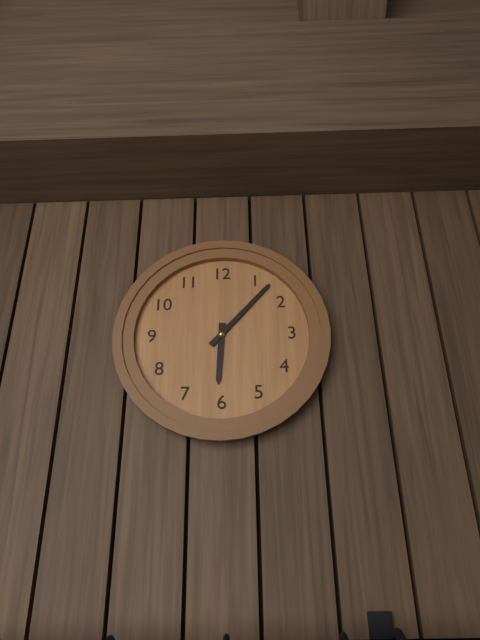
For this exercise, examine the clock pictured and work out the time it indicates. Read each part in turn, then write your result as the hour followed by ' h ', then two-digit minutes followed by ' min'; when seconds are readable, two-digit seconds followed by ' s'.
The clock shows 6 h 07 min
